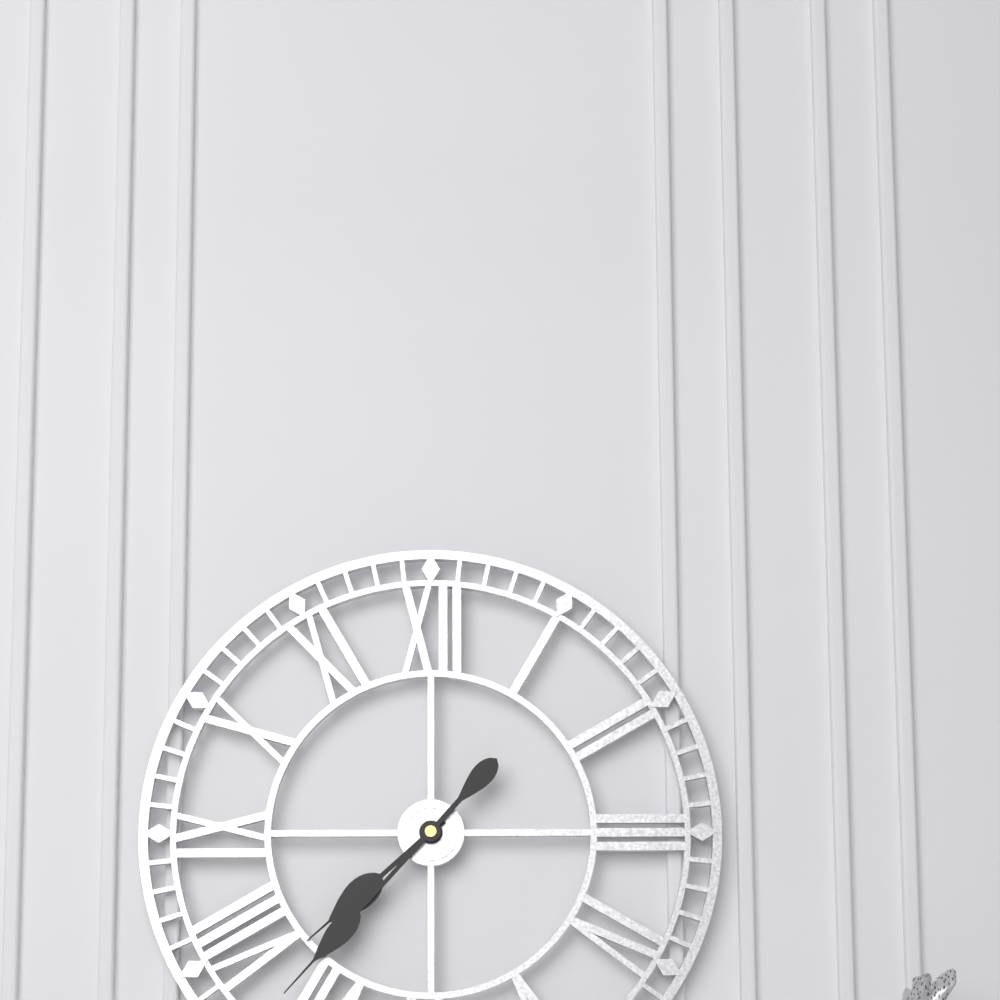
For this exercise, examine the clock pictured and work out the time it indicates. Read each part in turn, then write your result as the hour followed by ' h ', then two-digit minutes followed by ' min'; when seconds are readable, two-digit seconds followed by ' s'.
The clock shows 7 h 37 min
